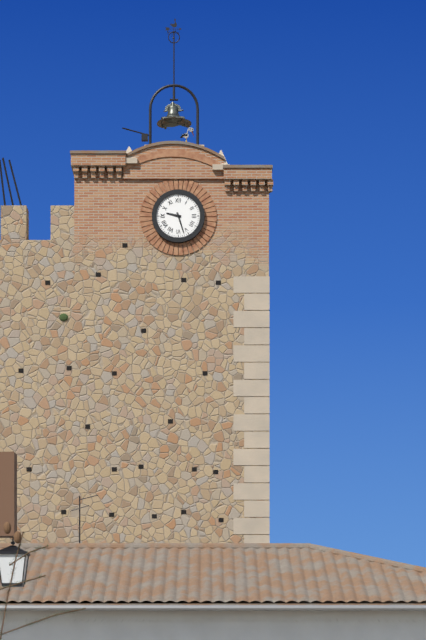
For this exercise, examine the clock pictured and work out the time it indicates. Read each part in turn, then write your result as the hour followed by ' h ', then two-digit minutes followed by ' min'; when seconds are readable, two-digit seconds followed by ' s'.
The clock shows 9 h 27 min
